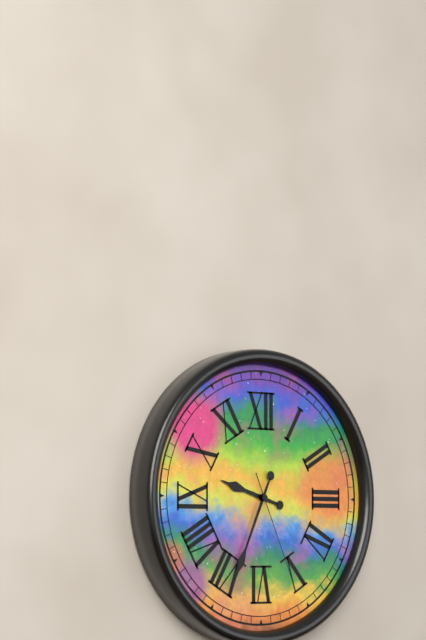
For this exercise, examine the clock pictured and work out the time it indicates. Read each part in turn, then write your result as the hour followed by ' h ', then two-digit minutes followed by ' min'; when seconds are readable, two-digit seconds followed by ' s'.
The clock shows 9 h 34 min 26 s
